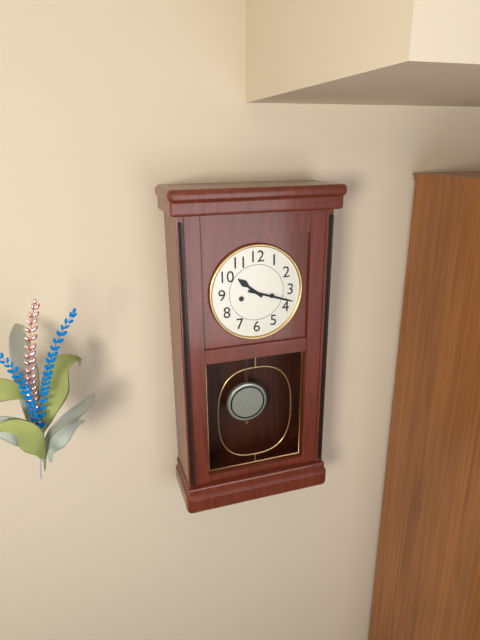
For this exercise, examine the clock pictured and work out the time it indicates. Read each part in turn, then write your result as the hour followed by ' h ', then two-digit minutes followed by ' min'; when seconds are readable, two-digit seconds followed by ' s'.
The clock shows 10 h 18 min
